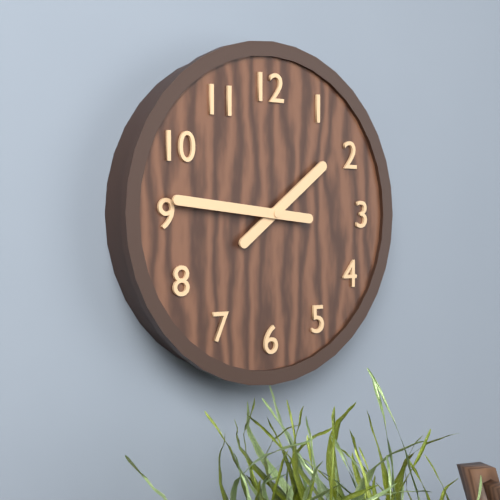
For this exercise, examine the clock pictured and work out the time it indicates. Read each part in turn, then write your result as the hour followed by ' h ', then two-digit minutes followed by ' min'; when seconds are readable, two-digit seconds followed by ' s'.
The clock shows 1 h 46 min
